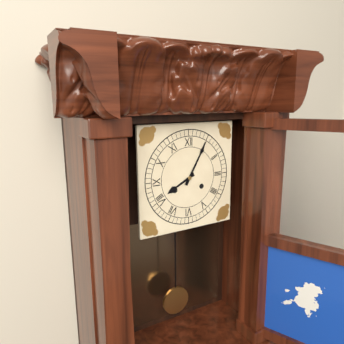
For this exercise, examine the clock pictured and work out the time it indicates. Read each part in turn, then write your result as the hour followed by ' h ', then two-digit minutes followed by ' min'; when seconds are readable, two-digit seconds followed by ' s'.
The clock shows 8 h 05 min
